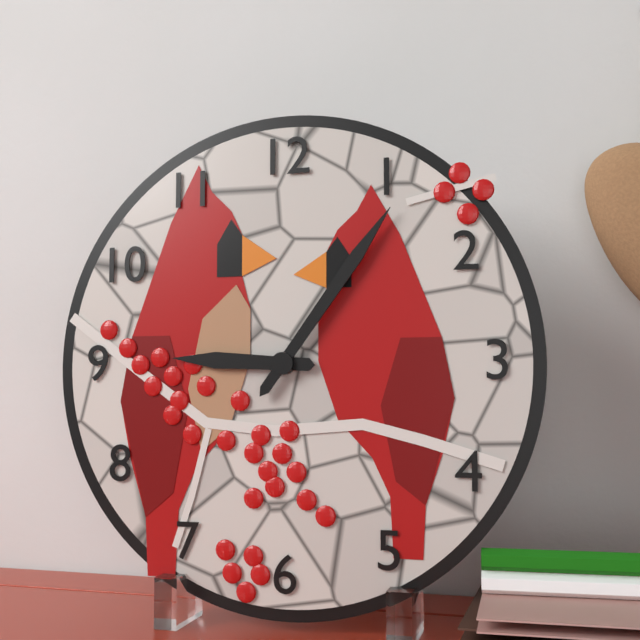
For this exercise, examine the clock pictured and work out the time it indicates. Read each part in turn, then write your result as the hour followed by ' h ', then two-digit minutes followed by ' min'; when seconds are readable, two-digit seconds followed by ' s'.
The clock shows 9 h 06 min
